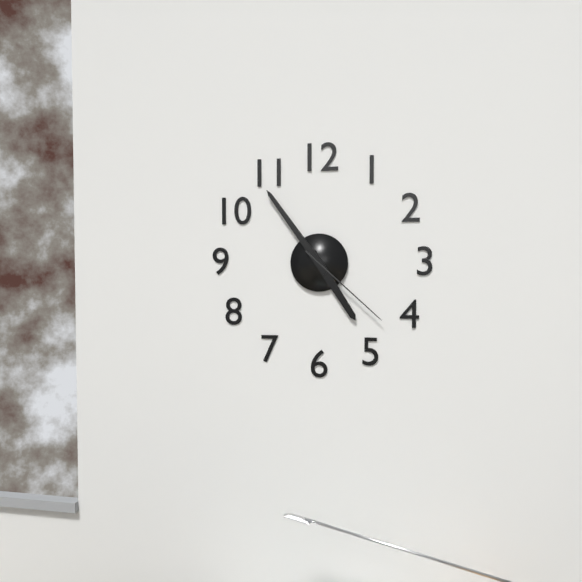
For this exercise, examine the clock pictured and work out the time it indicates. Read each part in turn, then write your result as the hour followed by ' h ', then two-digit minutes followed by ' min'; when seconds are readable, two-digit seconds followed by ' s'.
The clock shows 4 h 54 min 22 s
